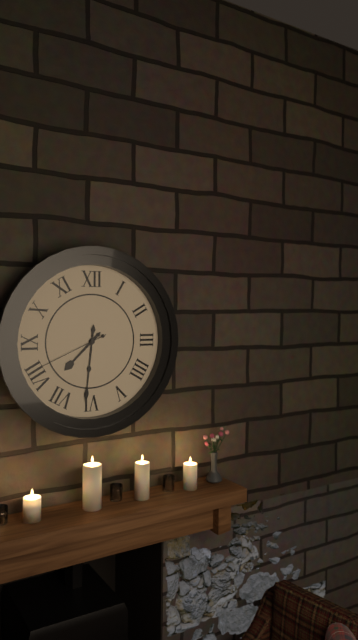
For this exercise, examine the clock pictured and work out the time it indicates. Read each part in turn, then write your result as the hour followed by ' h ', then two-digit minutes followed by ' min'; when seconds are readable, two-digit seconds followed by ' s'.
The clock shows 7 h 31 min 41 s
